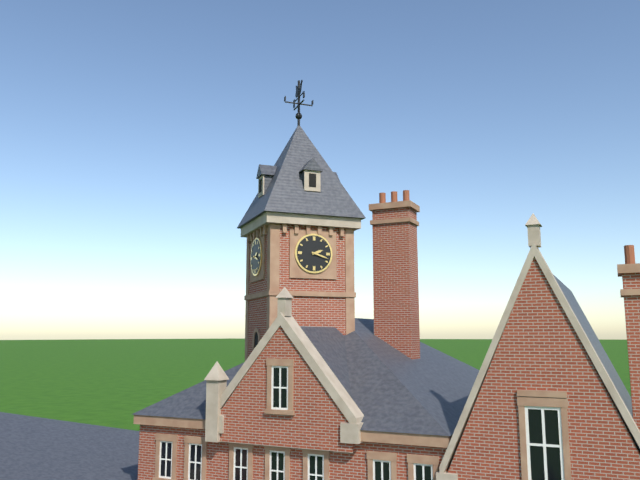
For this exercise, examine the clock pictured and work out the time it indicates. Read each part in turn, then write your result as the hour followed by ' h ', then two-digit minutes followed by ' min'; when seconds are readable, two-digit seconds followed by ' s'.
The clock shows 2 h 18 min
